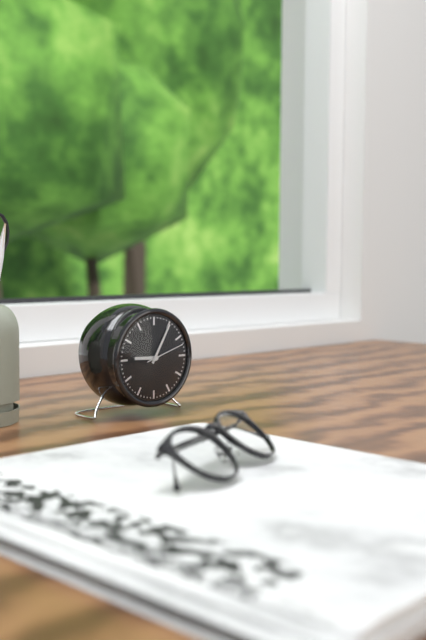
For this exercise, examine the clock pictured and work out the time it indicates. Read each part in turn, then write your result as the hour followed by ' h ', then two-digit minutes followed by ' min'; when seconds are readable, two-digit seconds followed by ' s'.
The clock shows 9 h 05 min
